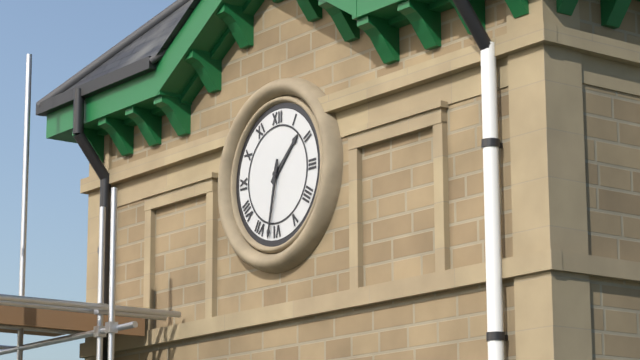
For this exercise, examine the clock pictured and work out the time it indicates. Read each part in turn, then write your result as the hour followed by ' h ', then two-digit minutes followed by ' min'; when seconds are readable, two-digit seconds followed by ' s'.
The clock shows 1 h 32 min
